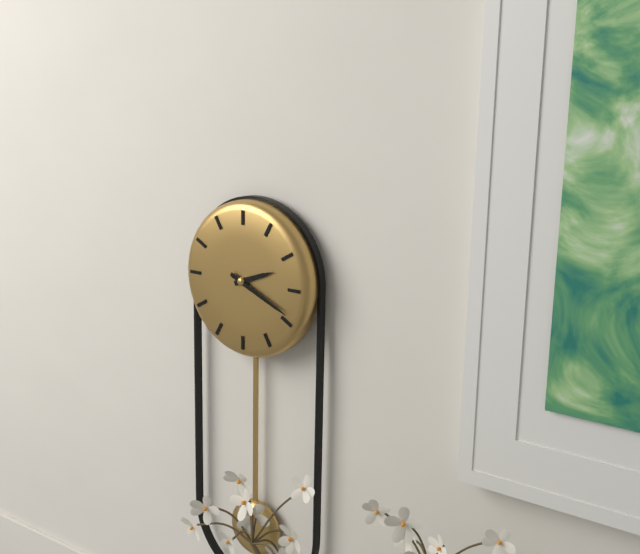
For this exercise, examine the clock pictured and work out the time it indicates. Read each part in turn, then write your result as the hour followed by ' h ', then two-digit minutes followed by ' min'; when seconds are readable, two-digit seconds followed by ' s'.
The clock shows 2 h 19 min
